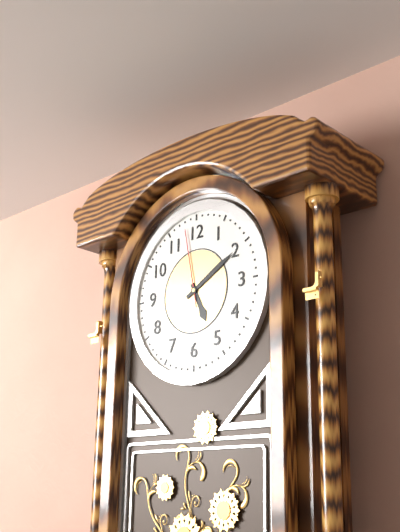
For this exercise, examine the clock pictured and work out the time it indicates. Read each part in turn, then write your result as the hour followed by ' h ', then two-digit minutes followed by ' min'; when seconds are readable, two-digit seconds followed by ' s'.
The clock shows 5 h 10 min 58 s
